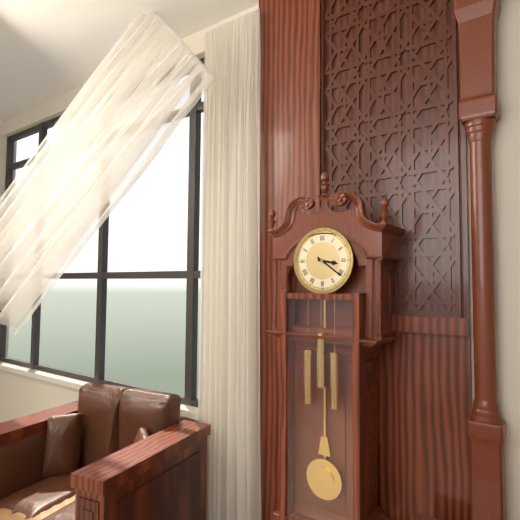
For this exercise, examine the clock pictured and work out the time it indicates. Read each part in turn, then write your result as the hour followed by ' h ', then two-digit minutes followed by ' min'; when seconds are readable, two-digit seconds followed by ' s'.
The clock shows 3 h 21 min
